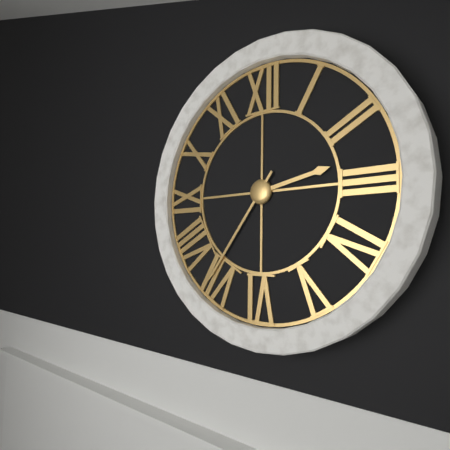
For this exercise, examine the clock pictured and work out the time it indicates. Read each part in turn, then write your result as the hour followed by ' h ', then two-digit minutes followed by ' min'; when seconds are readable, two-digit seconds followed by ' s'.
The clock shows 2 h 36 min
